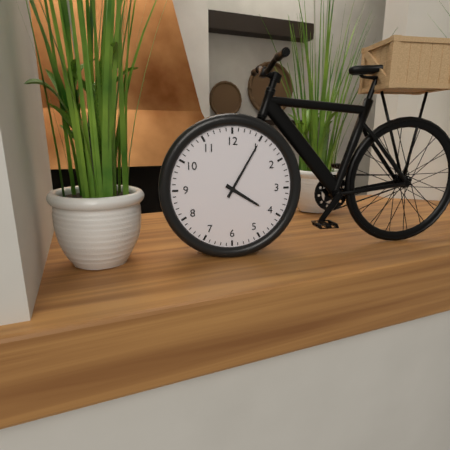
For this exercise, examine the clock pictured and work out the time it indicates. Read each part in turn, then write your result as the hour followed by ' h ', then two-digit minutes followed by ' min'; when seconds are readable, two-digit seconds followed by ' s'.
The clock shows 4 h 05 min
